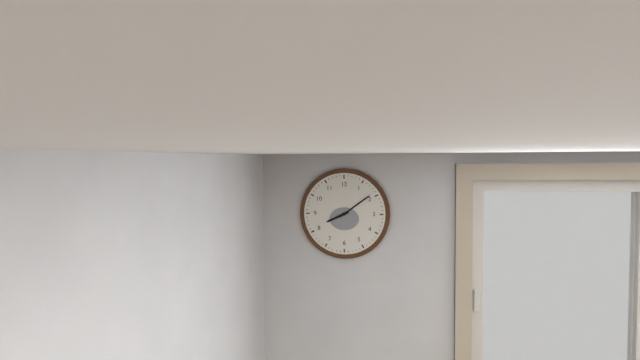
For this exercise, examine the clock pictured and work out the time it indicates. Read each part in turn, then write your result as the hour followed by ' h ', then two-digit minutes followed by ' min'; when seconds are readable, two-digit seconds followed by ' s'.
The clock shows 8 h 09 min
